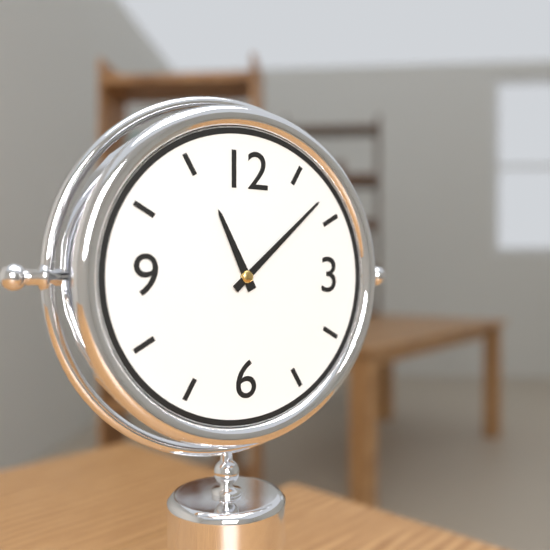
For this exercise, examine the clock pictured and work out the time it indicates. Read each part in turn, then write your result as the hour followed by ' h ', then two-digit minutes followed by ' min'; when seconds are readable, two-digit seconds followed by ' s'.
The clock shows 11 h 08 min
